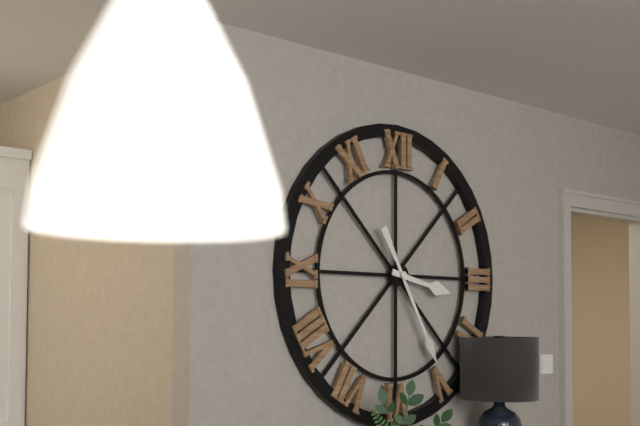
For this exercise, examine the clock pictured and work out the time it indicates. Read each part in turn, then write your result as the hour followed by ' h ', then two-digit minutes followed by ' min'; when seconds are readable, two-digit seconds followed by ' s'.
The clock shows 3 h 25 min
